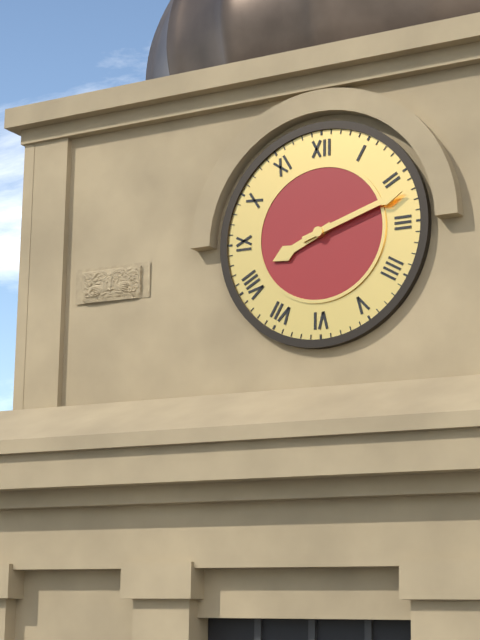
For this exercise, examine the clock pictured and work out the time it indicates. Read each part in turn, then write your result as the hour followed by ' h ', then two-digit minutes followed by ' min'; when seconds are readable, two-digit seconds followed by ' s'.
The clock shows 8 h 12 min
